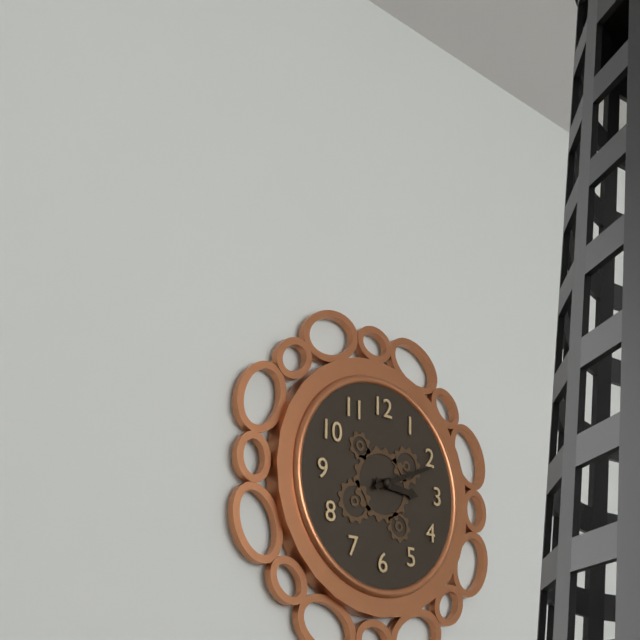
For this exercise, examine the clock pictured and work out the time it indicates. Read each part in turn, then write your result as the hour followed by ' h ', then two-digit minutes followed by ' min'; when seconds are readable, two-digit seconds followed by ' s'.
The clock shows 3 h 11 min
